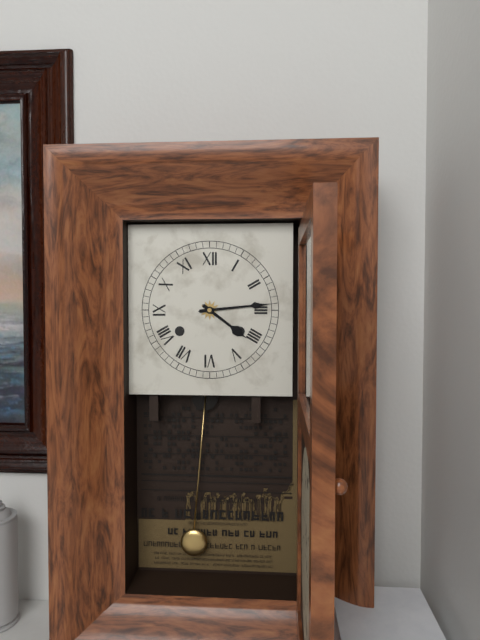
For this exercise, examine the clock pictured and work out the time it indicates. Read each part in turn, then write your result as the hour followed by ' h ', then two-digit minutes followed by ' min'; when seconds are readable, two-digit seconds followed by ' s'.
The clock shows 4 h 14 min
